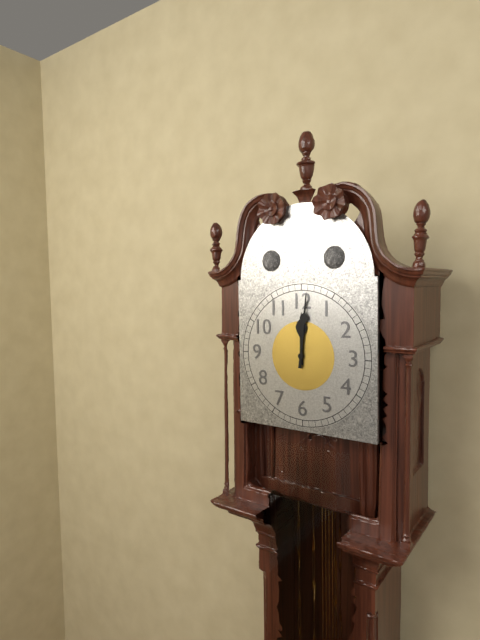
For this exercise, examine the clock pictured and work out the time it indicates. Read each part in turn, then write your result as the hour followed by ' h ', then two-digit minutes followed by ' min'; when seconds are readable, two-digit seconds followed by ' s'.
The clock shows 12 h 01 min
